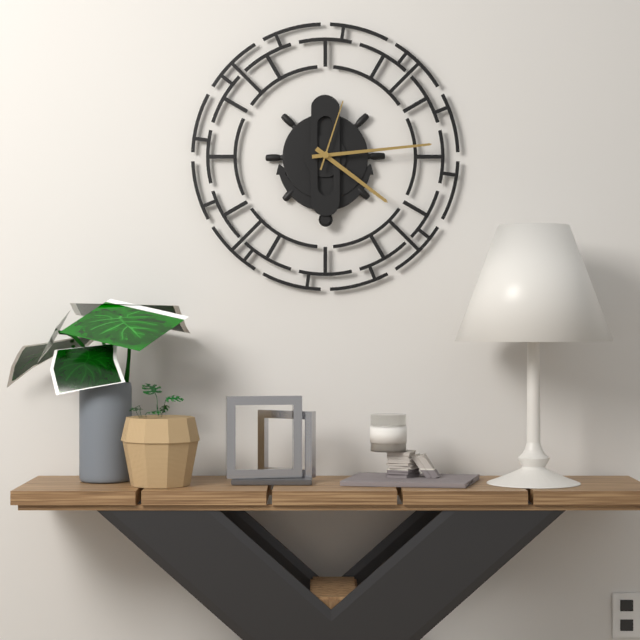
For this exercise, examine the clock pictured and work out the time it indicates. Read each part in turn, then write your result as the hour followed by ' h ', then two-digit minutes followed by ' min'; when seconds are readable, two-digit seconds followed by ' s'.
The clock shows 4 h 14 min 03 s
